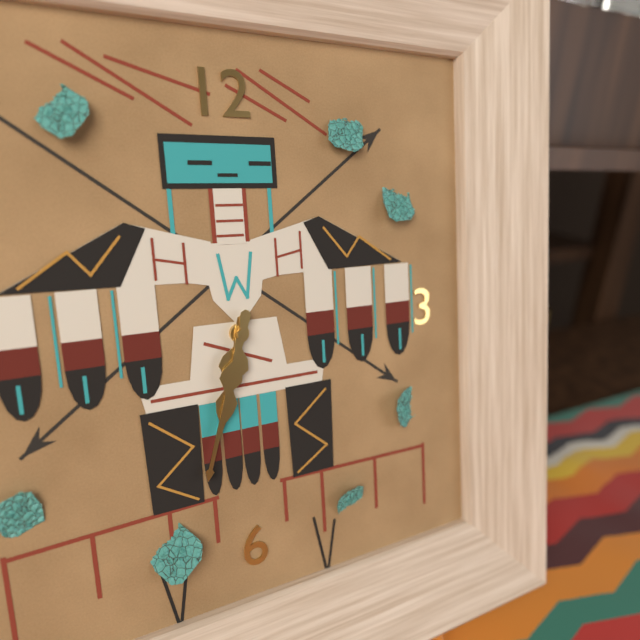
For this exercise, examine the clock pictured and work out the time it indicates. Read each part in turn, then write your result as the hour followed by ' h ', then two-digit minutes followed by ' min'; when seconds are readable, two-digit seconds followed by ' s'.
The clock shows 6 h 33 min
